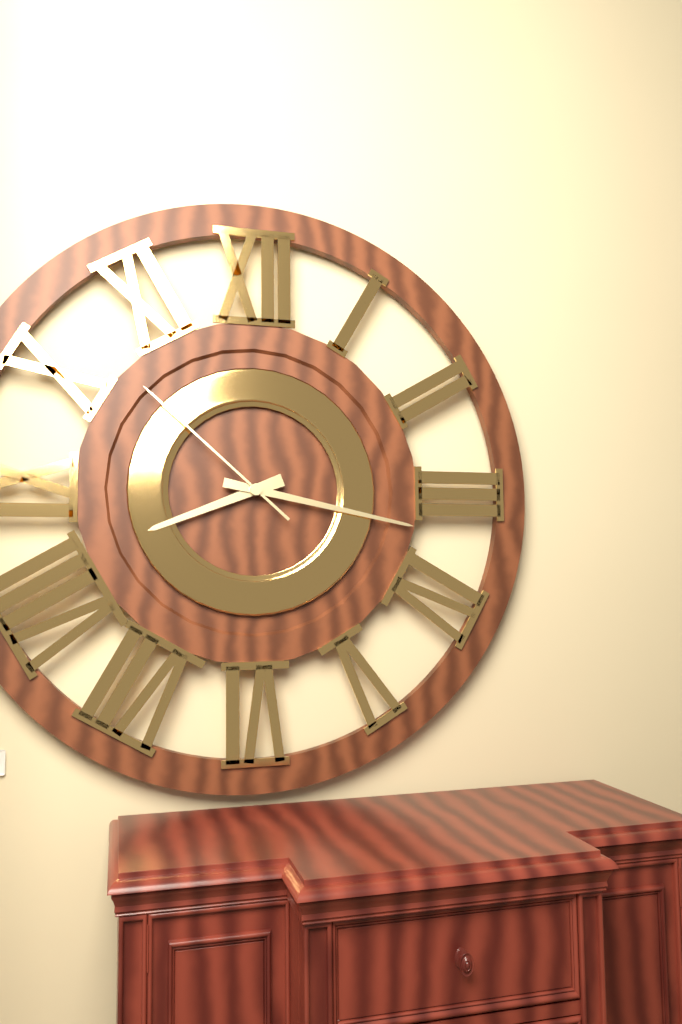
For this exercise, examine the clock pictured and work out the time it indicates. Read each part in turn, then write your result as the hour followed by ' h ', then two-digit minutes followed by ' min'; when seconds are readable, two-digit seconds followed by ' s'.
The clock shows 8 h 17 min 52 s
